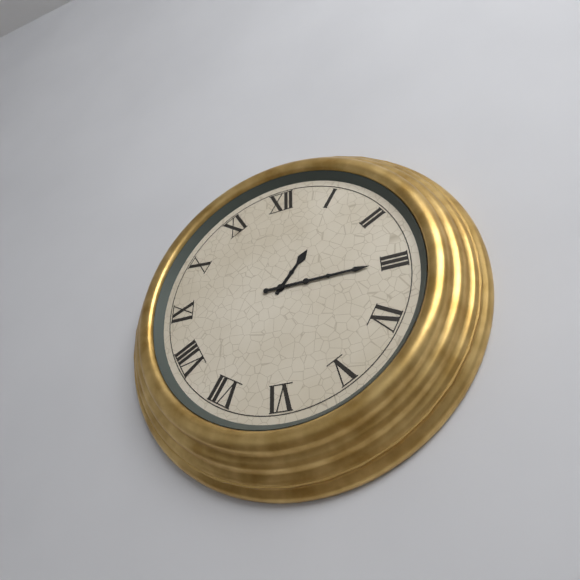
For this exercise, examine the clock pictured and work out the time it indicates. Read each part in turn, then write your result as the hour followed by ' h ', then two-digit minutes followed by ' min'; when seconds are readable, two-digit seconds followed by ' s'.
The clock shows 1 h 15 min
